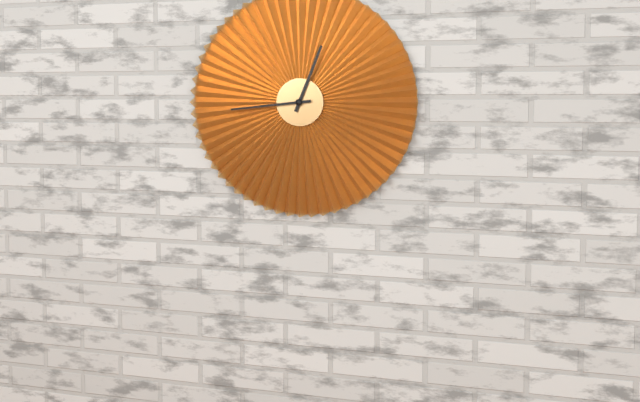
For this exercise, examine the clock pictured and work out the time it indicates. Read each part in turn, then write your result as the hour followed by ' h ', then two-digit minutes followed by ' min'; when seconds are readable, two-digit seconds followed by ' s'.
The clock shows 12 h 44 min
